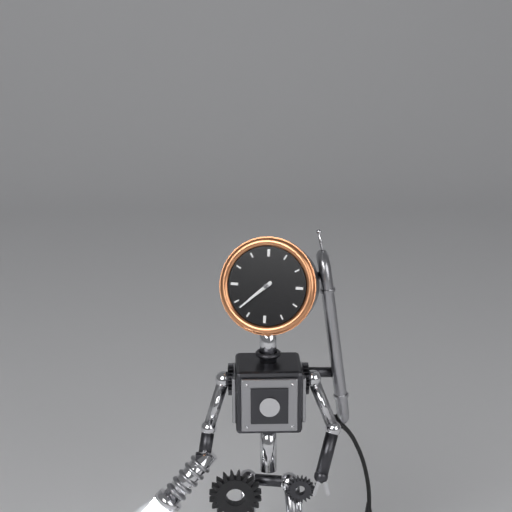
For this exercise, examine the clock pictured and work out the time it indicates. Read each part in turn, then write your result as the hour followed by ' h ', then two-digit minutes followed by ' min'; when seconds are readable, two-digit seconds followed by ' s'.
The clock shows 7 h 38 min
